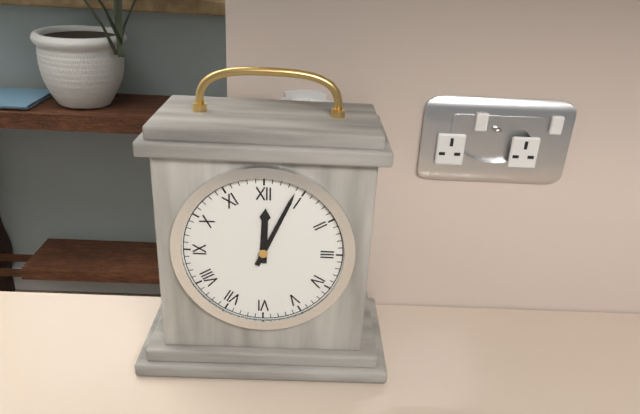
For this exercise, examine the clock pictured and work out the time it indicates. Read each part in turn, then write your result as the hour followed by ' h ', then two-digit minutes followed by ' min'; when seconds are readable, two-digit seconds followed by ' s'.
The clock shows 12 h 04 min
